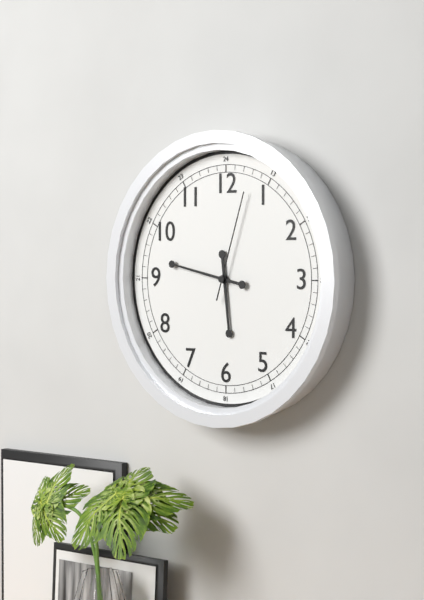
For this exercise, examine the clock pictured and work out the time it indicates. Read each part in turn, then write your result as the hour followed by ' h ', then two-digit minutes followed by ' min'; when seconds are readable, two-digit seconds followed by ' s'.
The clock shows 5 h 47 min 03 s
